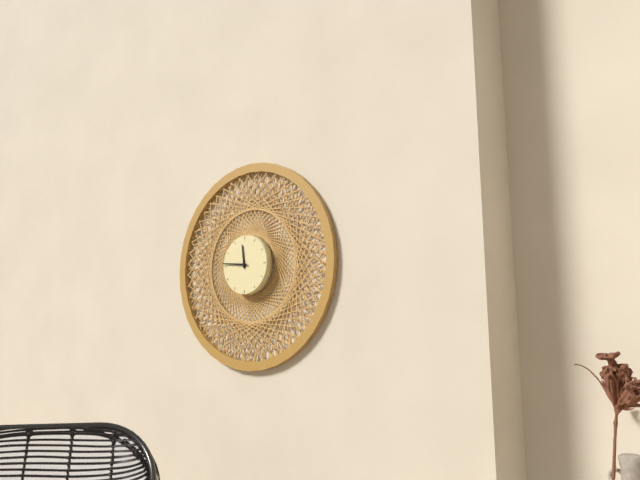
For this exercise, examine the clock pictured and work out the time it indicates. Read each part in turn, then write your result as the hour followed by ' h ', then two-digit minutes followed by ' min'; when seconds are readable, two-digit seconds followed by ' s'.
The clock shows 11 h 46 min
